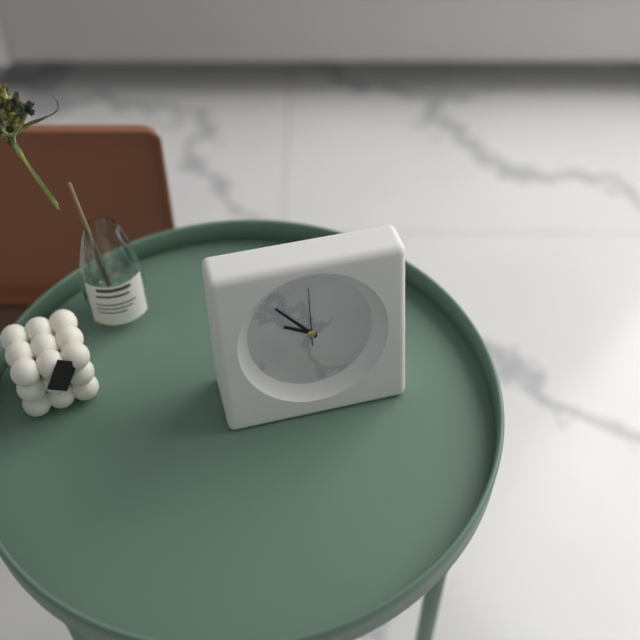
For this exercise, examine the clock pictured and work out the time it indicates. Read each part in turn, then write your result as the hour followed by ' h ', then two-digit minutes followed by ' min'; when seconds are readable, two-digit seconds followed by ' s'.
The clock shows 9 h 53 min 00 s
